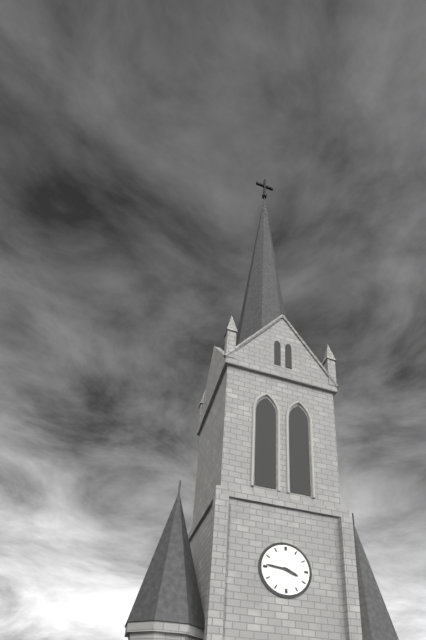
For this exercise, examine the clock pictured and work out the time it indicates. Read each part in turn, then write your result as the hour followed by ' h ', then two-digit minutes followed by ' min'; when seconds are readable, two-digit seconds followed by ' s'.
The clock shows 3 h 46 min
